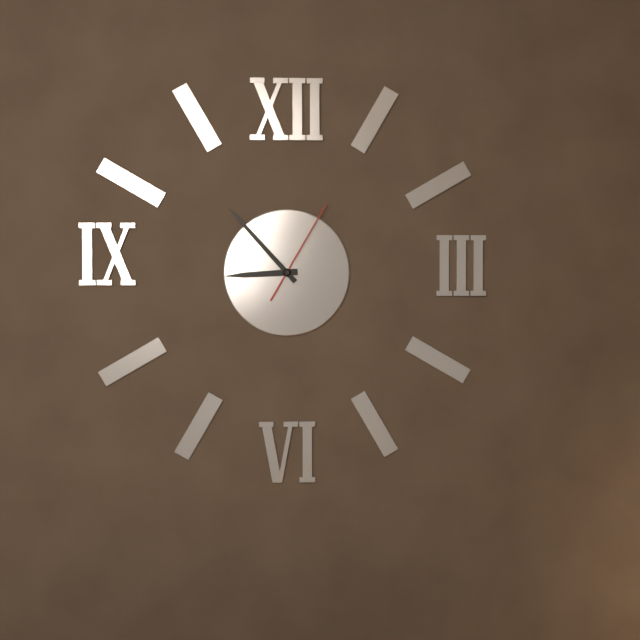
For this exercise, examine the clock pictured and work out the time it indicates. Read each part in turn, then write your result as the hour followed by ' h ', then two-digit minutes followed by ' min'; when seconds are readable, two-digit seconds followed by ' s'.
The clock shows 8 h 53 min 05 s
